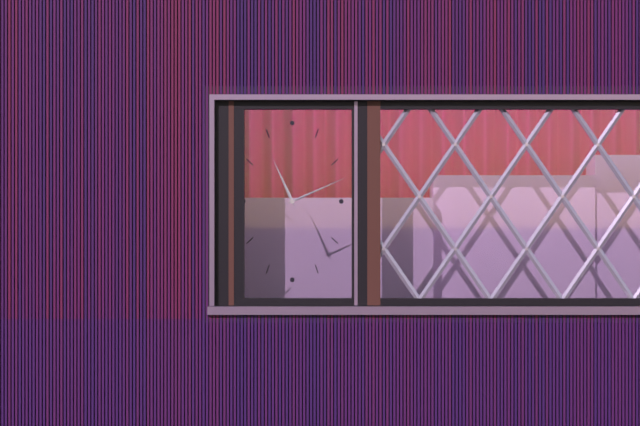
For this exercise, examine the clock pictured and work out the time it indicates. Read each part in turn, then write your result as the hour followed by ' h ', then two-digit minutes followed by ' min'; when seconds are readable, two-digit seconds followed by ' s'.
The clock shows 11 h 11 min
